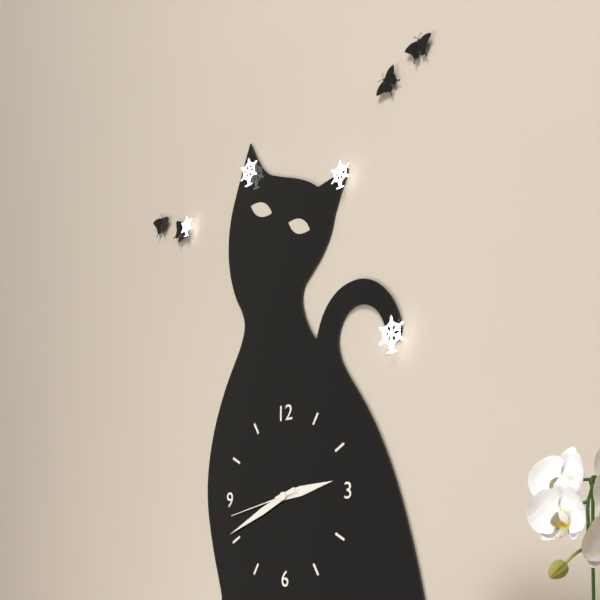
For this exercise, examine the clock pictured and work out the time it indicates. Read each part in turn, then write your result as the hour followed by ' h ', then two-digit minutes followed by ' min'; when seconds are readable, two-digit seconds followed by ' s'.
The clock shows 2 h 41 min 43 s
